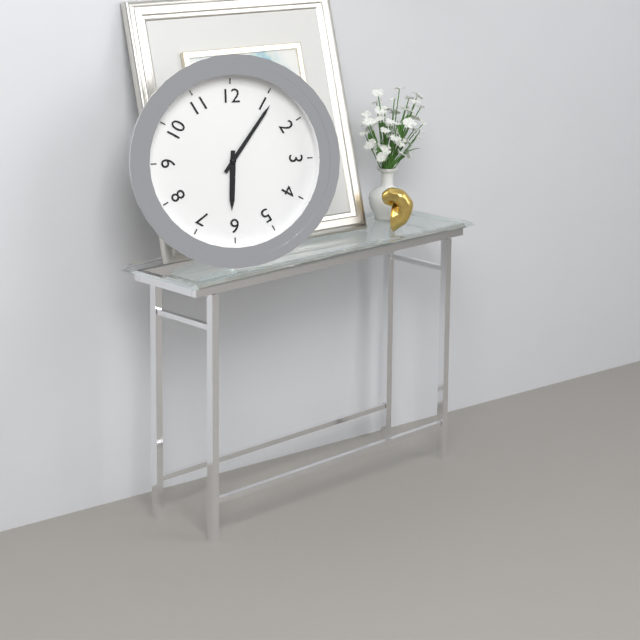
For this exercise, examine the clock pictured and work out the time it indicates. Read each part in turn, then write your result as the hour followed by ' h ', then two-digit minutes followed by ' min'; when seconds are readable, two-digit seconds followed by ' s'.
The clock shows 6 h 06 min
